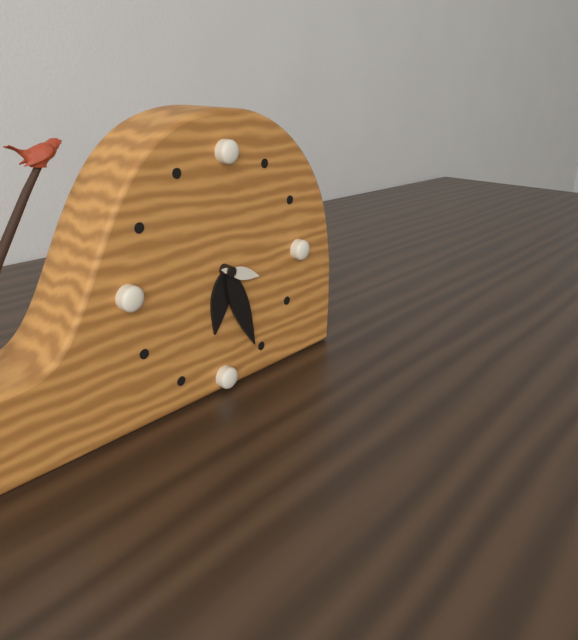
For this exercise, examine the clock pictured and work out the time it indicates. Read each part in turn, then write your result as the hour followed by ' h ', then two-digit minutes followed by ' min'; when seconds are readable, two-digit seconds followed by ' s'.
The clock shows 6 h 26 min
